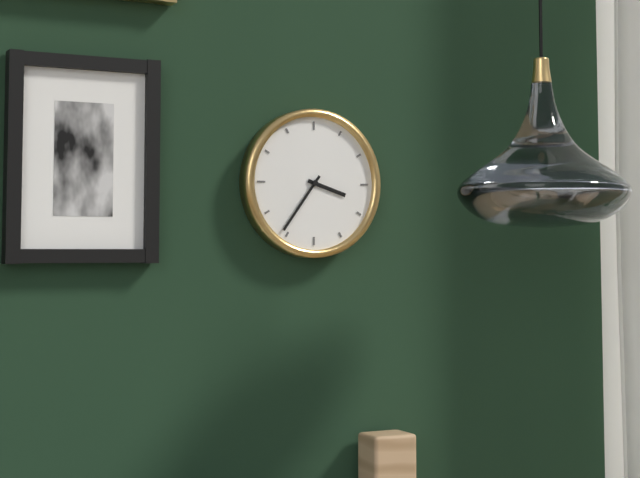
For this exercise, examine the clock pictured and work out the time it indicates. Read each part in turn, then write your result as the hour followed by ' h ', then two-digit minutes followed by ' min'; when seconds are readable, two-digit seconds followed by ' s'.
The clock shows 3 h 36 min
